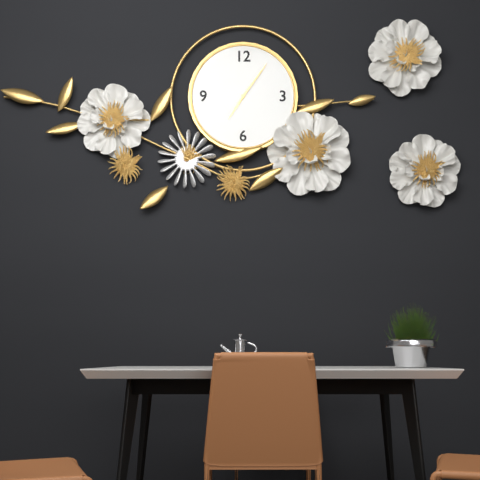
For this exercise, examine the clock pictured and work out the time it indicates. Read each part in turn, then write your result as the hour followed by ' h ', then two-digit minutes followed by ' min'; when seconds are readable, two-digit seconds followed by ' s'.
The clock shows 7 h 06 min
